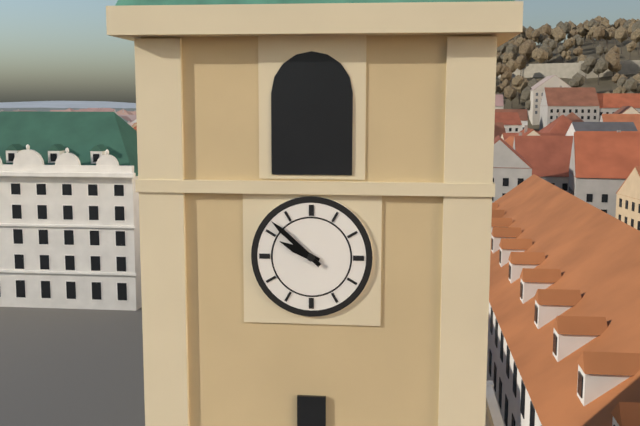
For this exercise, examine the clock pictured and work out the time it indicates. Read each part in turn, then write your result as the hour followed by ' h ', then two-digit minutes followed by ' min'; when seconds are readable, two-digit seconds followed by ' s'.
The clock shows 9 h 52 min
